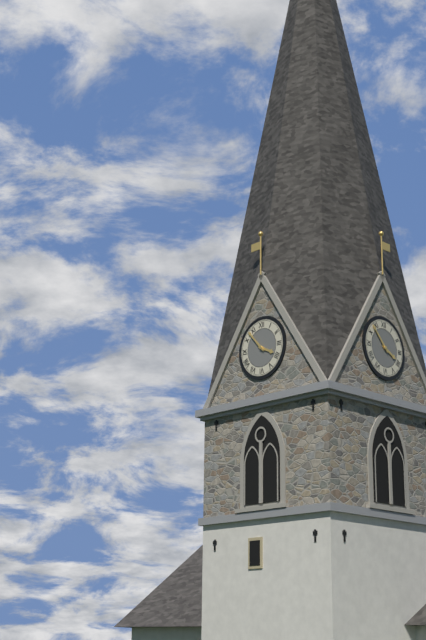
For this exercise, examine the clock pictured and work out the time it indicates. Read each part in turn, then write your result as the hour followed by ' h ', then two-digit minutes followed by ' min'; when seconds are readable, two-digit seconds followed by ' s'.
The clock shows 3 h 53 min
